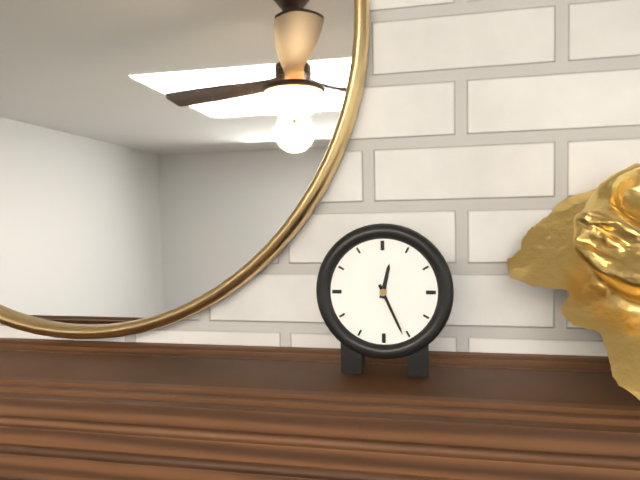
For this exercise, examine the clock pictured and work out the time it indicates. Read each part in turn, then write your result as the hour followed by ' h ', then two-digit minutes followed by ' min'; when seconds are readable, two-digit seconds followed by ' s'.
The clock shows 12 h 26 min
